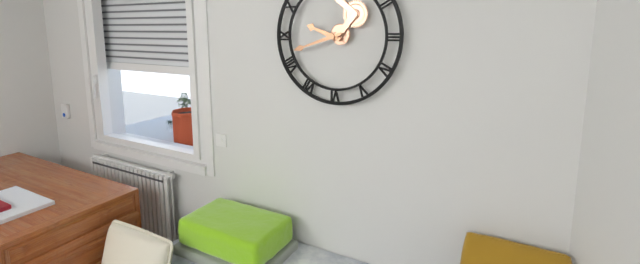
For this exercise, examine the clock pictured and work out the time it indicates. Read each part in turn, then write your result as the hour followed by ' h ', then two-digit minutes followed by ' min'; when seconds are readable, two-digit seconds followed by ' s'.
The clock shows 9 h 42 min
